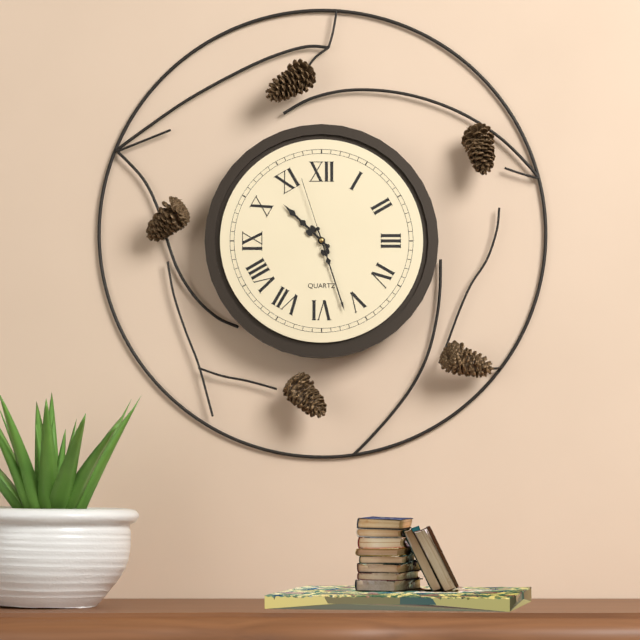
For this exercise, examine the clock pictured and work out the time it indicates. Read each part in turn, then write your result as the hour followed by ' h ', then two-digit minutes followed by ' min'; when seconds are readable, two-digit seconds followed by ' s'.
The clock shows 10 h 27 min 57 s
